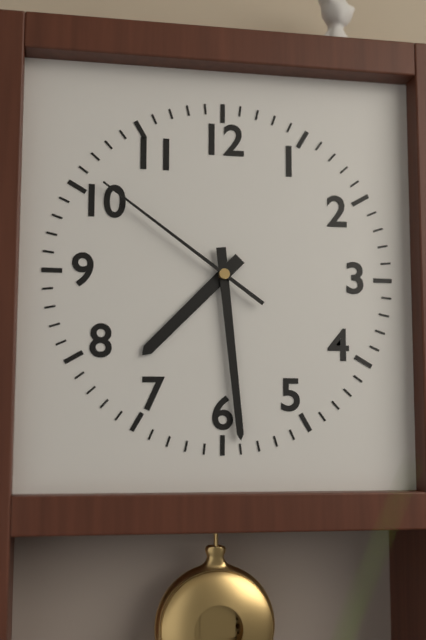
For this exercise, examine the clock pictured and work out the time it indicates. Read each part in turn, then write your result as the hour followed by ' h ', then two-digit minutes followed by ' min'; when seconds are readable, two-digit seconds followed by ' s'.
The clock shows 7 h 29 min 51 s
